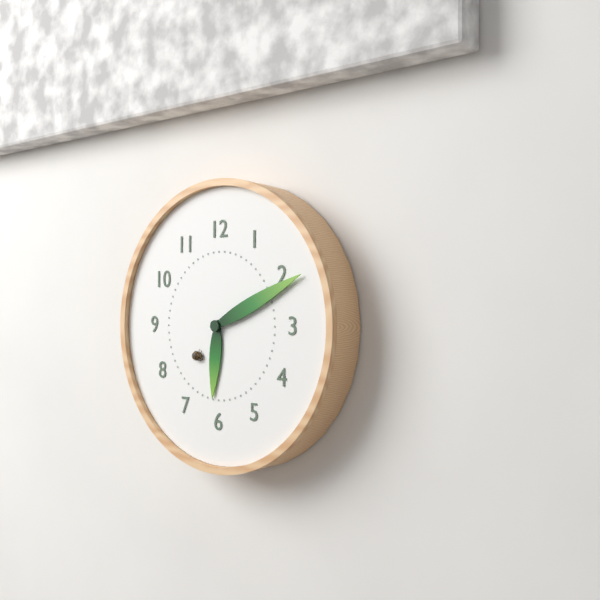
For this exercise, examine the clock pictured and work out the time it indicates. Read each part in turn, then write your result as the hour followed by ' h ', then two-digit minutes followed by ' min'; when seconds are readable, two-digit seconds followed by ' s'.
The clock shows 6 h 11 min
